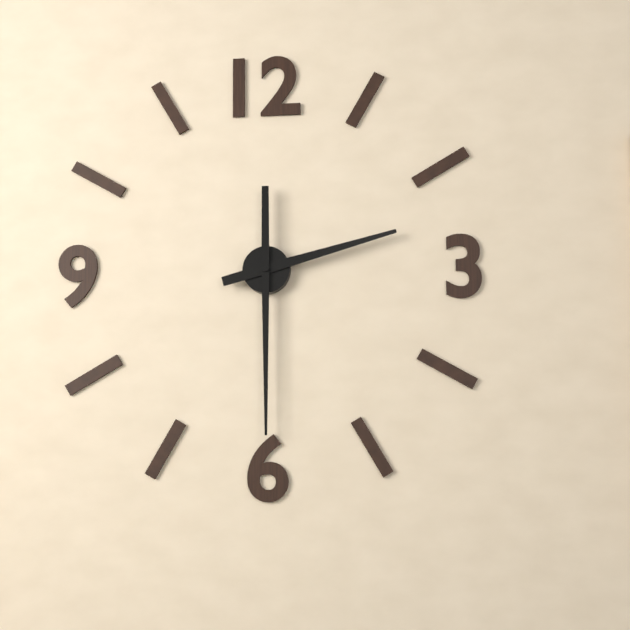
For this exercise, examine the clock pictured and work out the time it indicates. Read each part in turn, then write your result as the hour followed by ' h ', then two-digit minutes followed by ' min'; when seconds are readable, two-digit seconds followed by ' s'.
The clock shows 2 h 30 min
